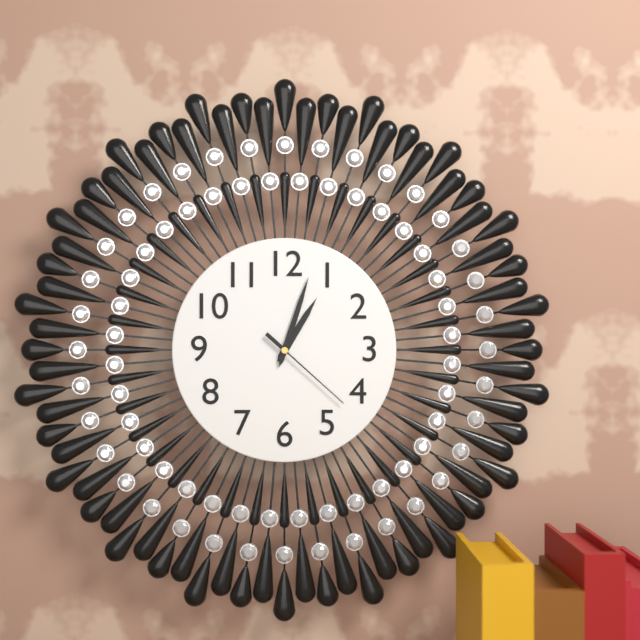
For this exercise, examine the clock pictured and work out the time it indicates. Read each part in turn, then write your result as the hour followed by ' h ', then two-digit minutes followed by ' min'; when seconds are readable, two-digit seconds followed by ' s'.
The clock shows 1 h 03 min 22 s
